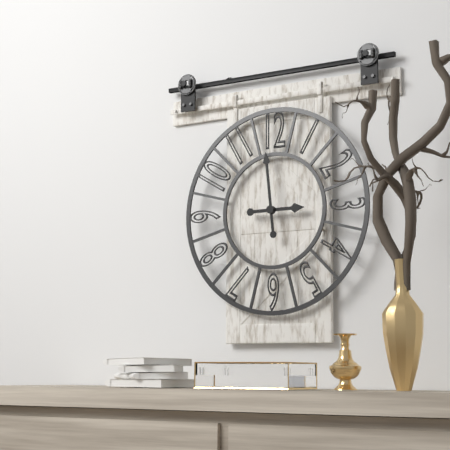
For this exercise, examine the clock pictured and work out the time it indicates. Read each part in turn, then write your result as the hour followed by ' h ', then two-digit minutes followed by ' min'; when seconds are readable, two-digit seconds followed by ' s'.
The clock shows 2 h 59 min
